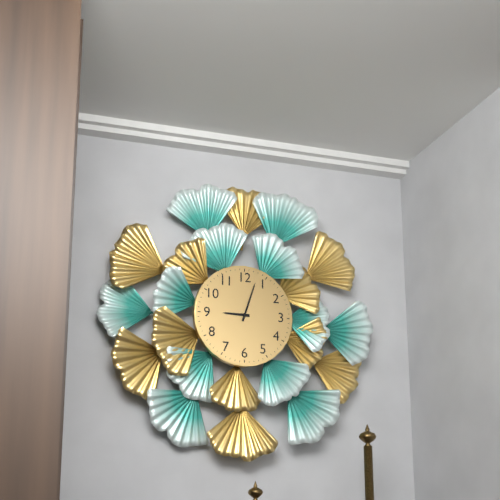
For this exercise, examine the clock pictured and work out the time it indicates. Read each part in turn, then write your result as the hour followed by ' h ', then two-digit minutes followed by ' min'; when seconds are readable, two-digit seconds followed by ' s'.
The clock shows 9 h 03 min
